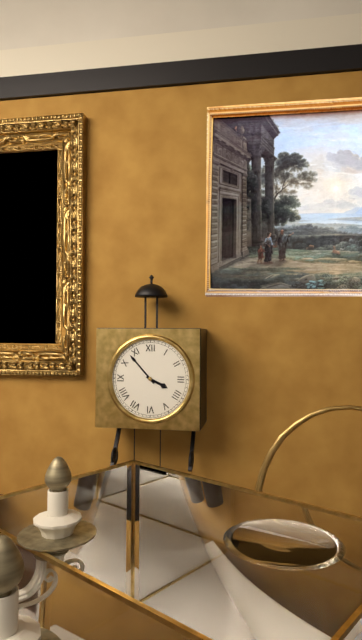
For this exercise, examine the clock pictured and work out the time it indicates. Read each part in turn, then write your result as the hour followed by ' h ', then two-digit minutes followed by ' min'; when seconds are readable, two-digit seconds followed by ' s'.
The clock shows 3 h 53 min
